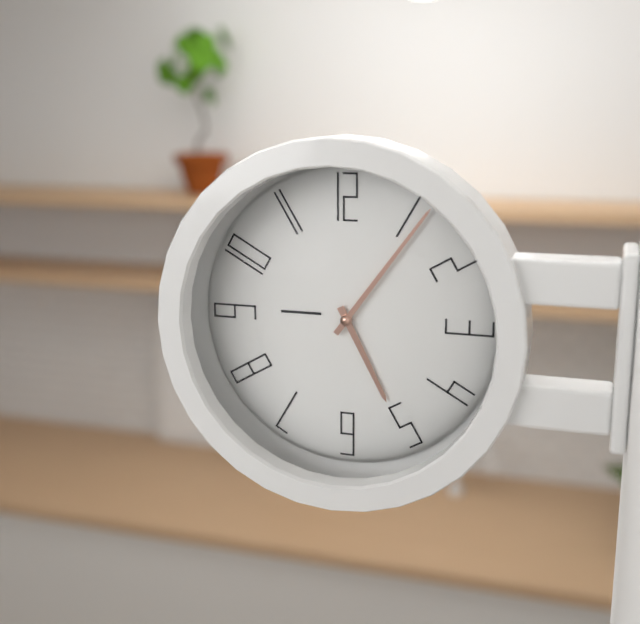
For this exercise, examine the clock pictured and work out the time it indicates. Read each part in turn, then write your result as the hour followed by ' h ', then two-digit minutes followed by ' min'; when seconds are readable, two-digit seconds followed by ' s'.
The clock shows 5 h 06 min
